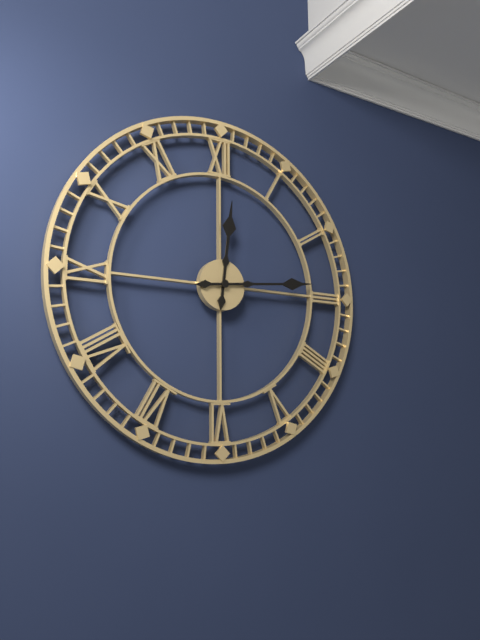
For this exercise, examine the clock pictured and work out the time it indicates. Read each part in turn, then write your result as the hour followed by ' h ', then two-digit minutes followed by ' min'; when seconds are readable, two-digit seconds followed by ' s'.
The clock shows 12 h 14 min
